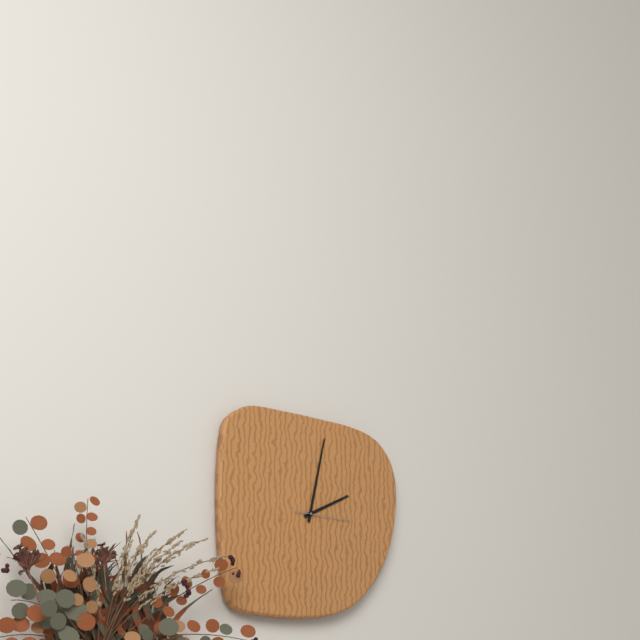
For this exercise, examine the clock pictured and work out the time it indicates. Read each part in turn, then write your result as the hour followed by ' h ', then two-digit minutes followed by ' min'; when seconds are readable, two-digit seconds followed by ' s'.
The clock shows 2 h 02 min 15 s
